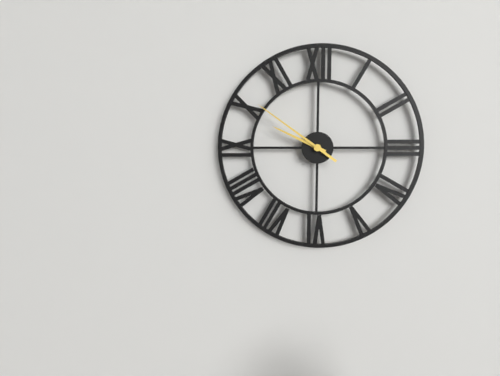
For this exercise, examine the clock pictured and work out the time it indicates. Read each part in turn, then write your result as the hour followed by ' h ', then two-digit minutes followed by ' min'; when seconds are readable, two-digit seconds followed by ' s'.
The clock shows 9 h 51 min
